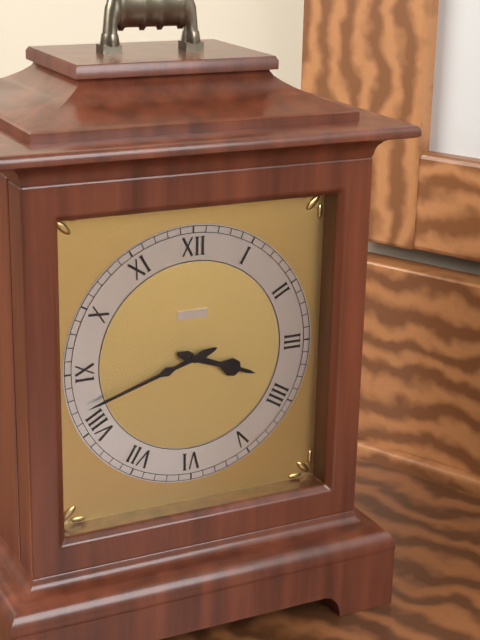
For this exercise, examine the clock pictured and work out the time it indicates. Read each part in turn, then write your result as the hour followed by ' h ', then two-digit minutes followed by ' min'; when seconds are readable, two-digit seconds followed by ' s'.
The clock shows 3 h 42 min
